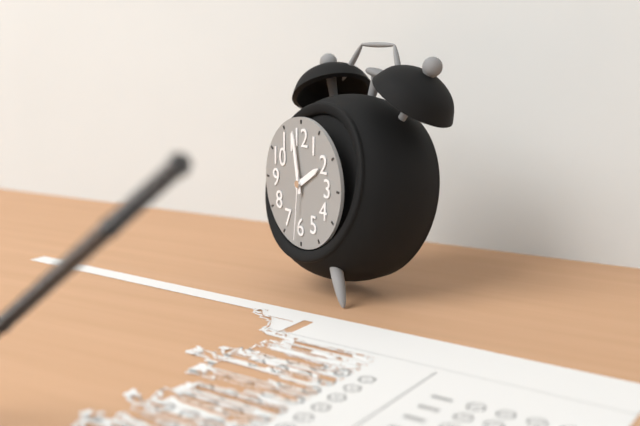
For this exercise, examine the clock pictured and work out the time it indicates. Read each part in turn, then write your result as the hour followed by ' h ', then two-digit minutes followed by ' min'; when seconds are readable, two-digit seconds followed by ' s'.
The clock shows 1 h 58 min 31 s
